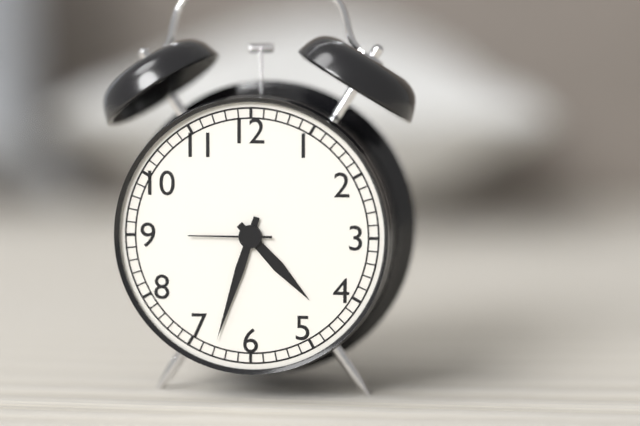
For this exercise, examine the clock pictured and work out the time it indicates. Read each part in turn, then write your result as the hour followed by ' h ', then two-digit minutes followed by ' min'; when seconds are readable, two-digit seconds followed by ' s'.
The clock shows 4 h 33 min 45 s
